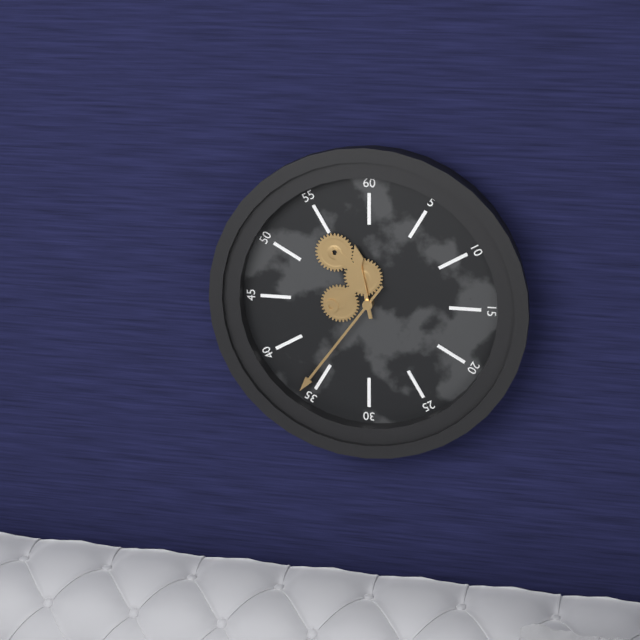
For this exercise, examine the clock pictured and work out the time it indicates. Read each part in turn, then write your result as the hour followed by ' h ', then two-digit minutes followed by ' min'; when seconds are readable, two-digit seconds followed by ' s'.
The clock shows 11 h 36 min
